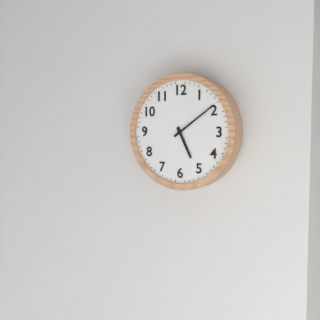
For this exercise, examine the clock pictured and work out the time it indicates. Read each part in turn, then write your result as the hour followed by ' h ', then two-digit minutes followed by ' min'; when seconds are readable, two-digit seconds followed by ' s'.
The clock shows 5 h 09 min
